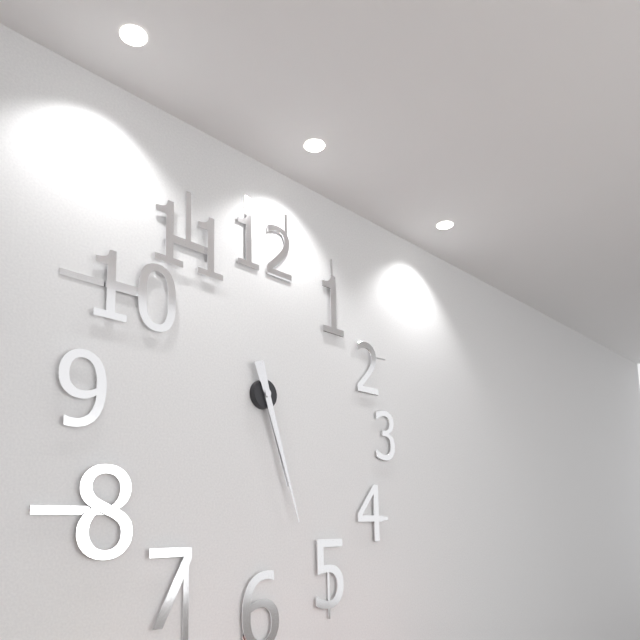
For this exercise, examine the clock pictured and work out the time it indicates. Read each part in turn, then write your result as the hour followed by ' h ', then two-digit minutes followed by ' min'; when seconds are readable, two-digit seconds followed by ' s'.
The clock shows 5 h 27 min
